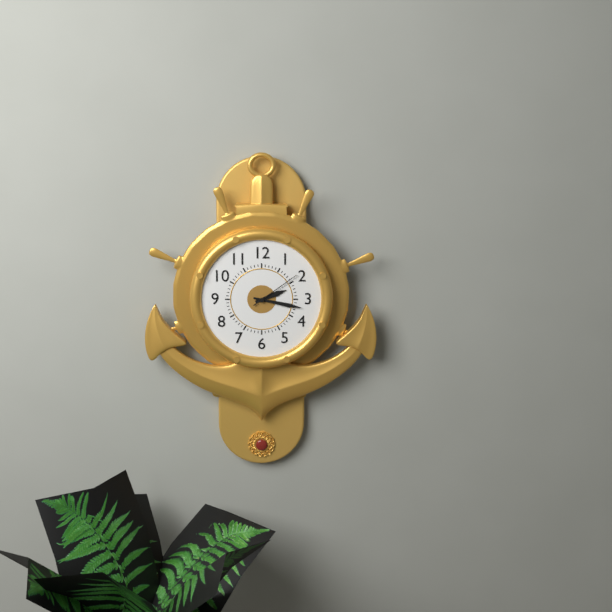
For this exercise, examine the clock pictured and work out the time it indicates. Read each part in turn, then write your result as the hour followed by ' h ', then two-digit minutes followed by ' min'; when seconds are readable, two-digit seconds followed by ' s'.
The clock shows 2 h 17 min 09 s
